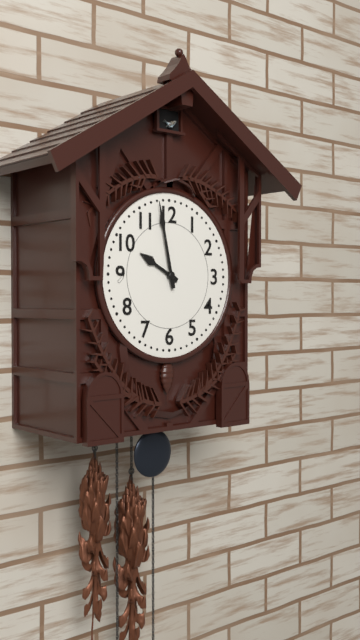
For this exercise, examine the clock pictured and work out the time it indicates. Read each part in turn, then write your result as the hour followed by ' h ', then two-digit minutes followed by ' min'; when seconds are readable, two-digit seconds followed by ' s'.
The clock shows 9 h 58 min
